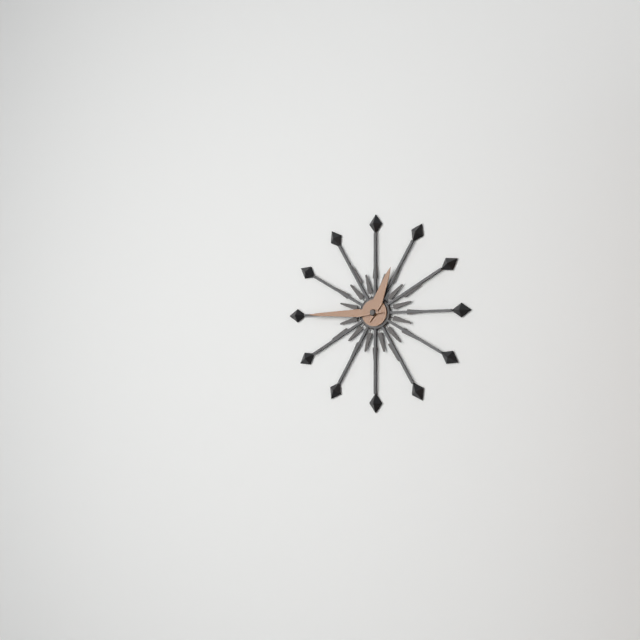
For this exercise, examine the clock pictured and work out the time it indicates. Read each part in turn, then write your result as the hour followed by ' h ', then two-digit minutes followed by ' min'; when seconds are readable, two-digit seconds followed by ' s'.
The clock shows 12 h 45 min
